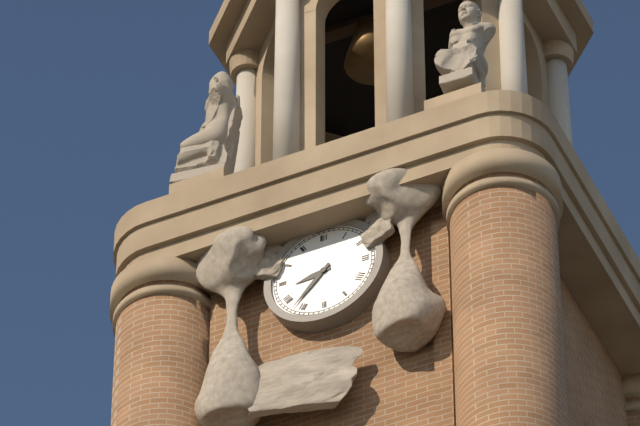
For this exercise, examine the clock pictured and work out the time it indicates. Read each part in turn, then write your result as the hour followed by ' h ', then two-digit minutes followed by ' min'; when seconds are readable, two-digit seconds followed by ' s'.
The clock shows 8 h 37 min
